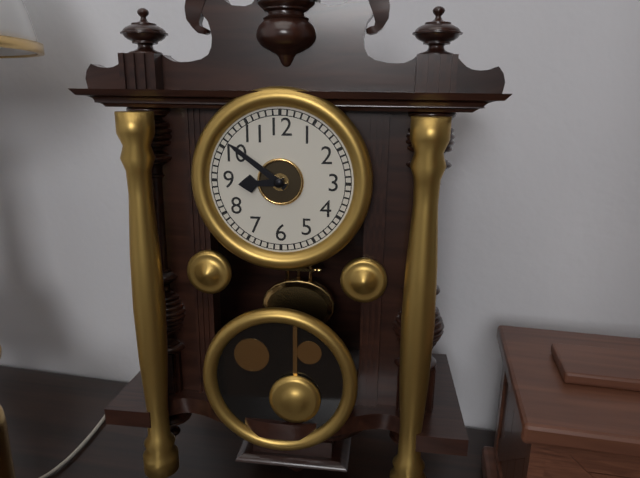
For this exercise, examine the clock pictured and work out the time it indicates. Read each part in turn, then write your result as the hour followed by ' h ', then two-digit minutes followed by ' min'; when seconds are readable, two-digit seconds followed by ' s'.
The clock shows 8 h 51 min
